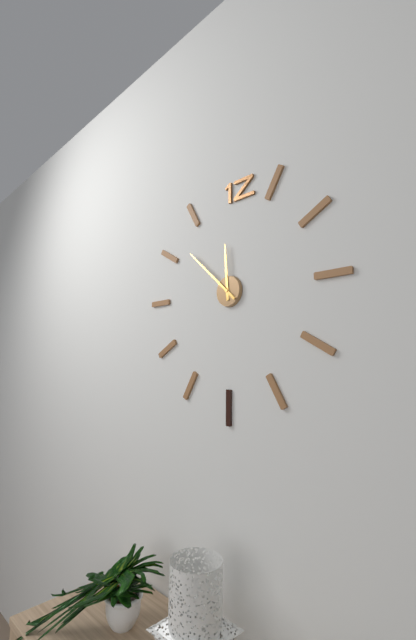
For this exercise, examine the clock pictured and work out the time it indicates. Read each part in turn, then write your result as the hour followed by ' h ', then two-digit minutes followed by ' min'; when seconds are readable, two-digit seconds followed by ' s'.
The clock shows 11 h 52 min
